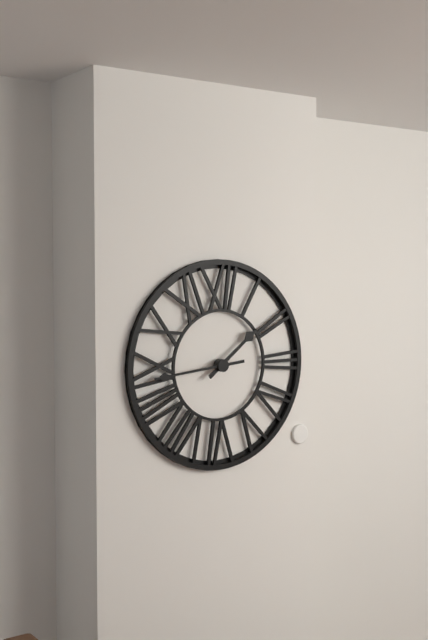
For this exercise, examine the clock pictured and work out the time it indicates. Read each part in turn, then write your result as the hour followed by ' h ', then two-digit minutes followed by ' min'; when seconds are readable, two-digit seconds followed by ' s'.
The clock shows 1 h 44 min
